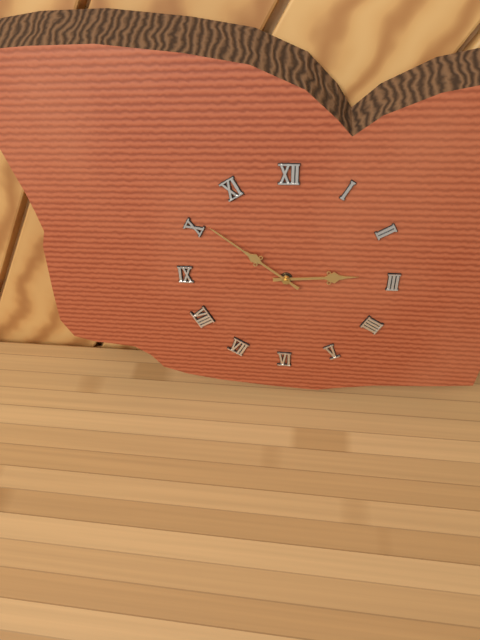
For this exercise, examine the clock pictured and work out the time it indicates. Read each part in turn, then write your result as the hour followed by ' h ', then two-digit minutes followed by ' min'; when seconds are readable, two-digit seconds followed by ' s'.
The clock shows 2 h 51 min
